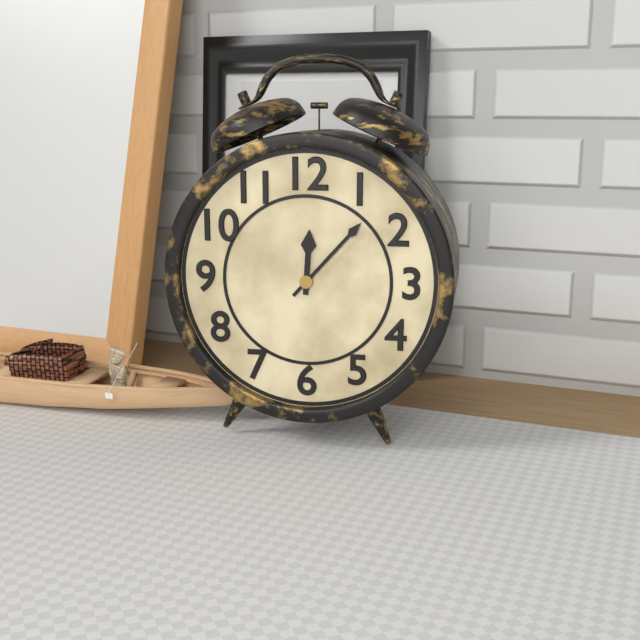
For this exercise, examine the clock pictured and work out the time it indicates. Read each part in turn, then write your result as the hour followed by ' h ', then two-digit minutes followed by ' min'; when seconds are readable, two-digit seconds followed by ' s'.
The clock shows 12 h 07 min
